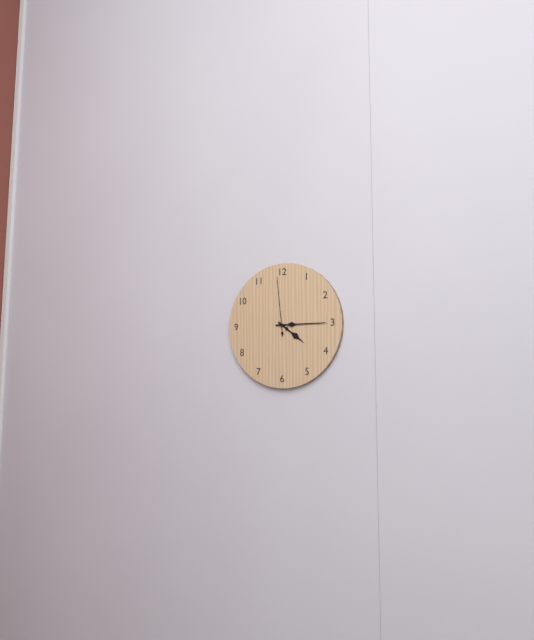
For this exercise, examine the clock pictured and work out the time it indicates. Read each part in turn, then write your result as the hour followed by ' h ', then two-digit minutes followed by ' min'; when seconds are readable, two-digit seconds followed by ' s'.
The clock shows 4 h 15 min 59 s
